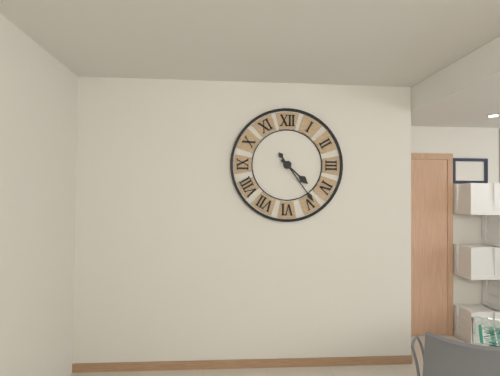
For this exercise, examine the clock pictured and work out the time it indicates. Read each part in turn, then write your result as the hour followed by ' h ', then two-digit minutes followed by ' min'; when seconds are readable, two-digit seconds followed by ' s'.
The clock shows 4 h 24 min
